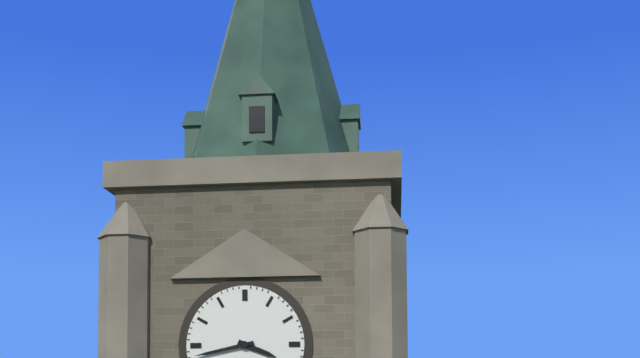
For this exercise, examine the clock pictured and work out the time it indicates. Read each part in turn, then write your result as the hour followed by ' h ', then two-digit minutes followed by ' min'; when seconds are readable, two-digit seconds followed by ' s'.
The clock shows 3 h 43 min
